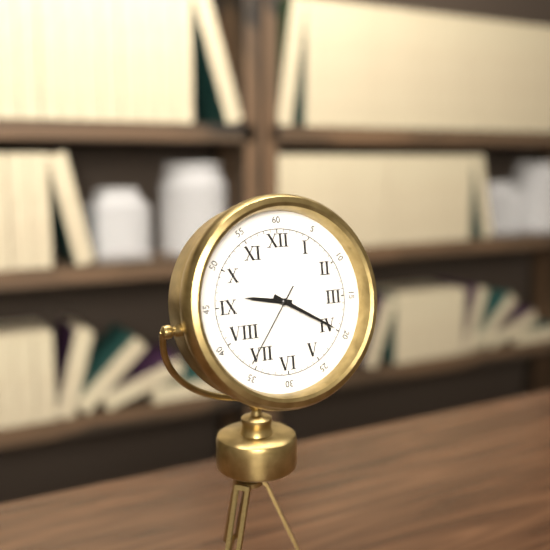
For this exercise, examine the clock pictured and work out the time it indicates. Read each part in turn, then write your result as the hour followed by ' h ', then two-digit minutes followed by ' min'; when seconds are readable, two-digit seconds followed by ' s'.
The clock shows 9 h 20 min 36 s
